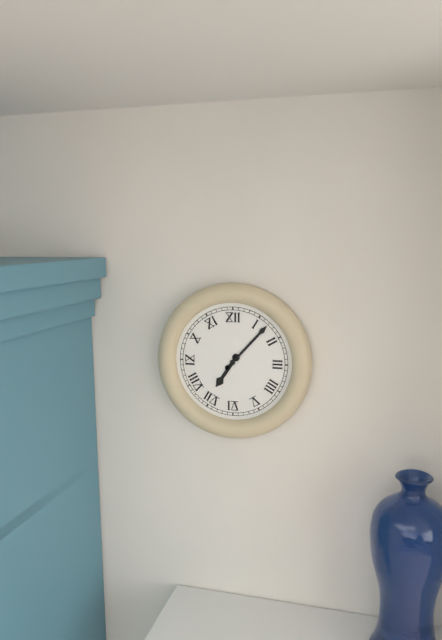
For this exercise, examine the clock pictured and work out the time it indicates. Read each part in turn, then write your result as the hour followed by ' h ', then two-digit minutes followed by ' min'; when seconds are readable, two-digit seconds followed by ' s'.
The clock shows 7 h 07 min
